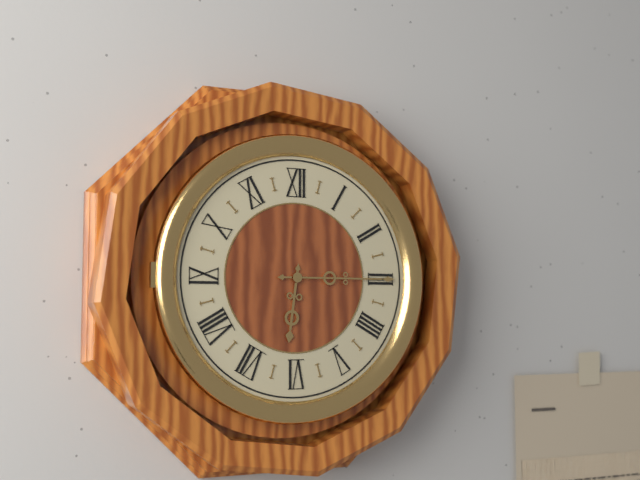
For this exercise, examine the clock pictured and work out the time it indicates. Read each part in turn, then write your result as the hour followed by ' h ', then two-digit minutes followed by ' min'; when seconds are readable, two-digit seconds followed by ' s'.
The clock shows 6 h 15 min
